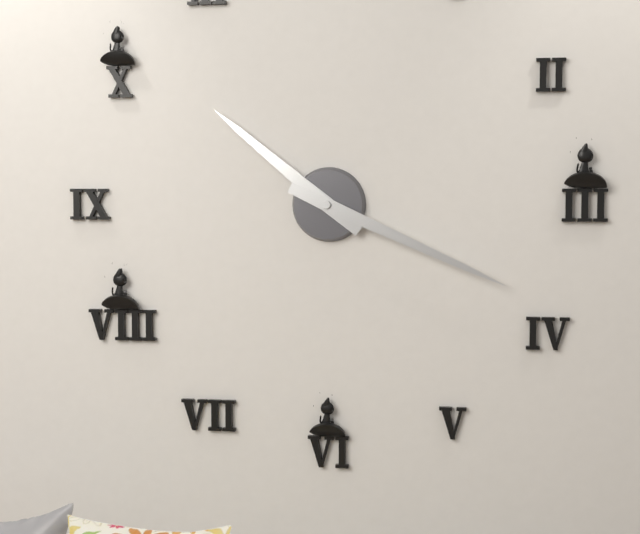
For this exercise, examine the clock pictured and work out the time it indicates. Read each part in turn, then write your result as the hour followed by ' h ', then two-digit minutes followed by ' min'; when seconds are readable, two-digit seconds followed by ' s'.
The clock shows 10 h 19 min
